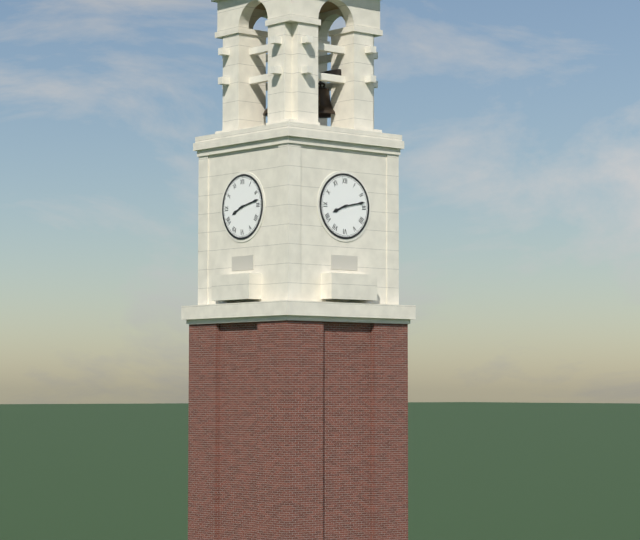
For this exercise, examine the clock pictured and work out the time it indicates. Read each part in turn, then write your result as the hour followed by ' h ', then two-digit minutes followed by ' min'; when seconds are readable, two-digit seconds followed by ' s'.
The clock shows 8 h 13 min
